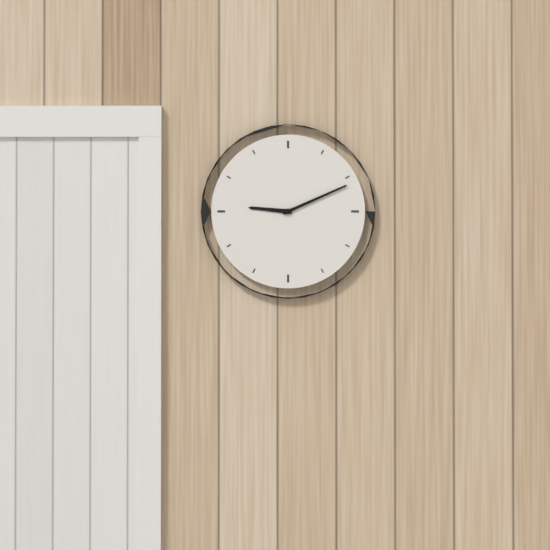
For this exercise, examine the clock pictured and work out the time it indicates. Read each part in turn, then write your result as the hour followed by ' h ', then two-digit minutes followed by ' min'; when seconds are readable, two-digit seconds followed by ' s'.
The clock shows 9 h 11 min
